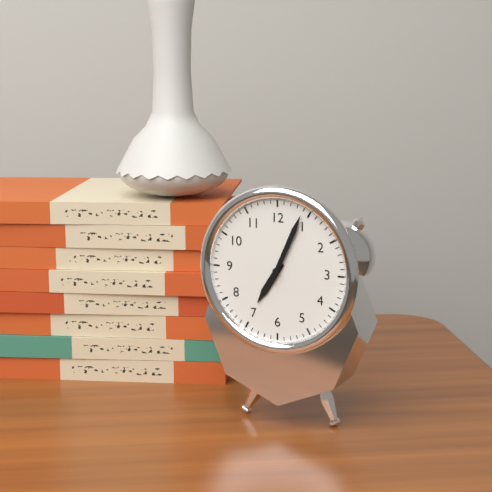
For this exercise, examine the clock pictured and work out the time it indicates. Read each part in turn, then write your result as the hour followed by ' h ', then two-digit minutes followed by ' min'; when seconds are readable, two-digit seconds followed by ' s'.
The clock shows 7 h 04 min
